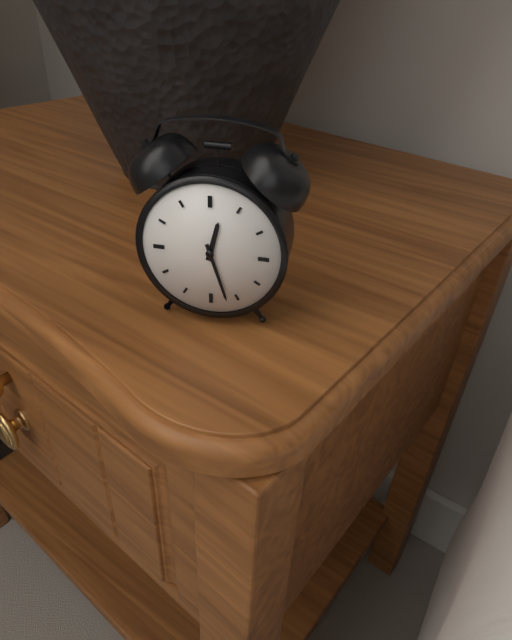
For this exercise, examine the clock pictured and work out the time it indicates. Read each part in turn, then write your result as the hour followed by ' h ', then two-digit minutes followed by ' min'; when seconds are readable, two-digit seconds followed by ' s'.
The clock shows 12 h 27 min
